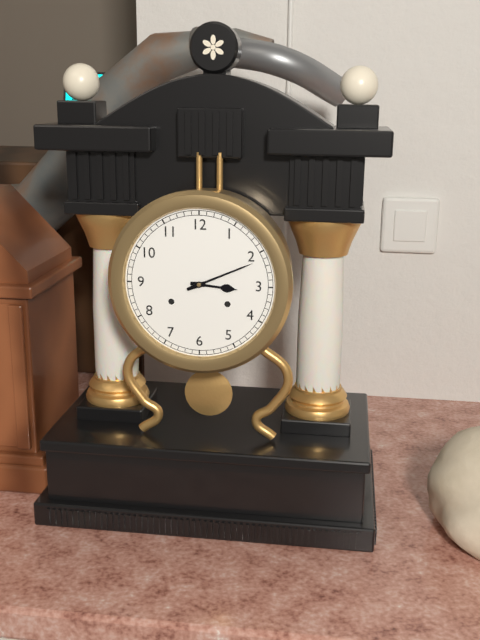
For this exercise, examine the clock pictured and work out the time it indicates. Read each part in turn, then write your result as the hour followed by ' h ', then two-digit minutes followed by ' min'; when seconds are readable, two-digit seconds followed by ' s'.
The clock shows 3 h 11 min
